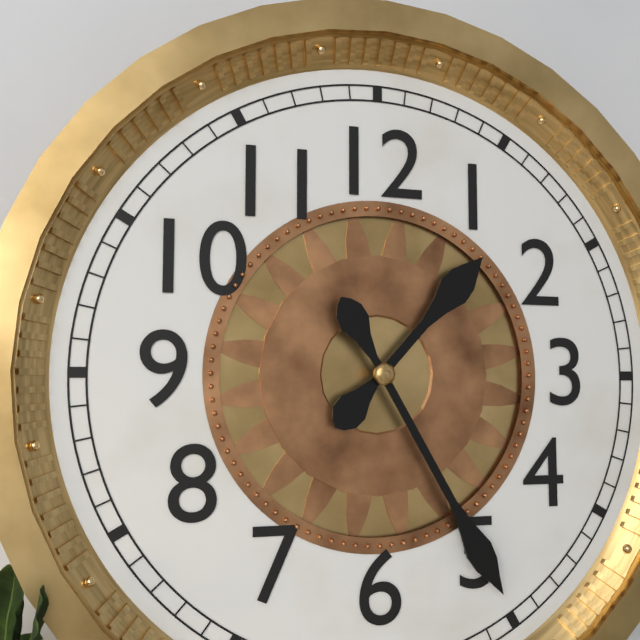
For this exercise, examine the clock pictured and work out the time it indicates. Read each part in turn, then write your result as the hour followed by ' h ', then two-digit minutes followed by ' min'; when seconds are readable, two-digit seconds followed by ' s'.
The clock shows 1 h 25 min
